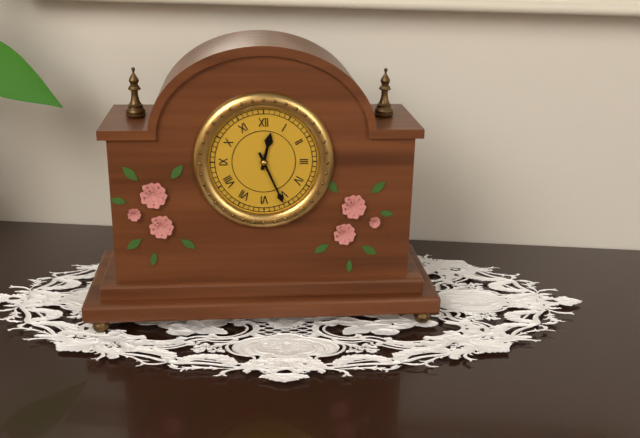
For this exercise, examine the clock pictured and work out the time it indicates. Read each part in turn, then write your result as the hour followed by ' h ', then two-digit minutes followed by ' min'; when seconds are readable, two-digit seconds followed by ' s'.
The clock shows 12 h 26 min
